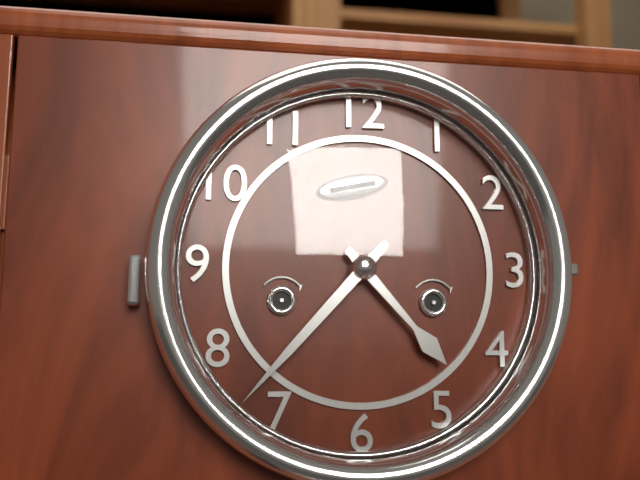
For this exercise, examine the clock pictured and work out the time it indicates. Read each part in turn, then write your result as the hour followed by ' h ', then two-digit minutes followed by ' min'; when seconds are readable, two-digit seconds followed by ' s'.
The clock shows 4 h 37 min
